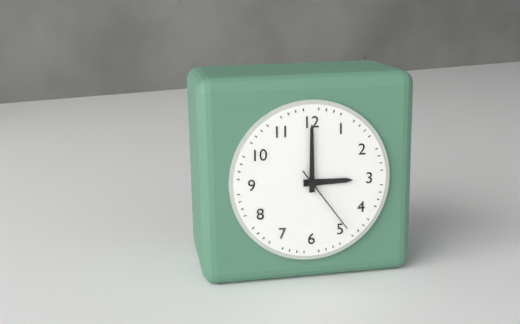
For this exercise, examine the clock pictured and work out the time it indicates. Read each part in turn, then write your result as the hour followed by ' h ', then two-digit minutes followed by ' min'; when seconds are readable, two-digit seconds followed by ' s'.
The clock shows 3 h 00 min 24 s
